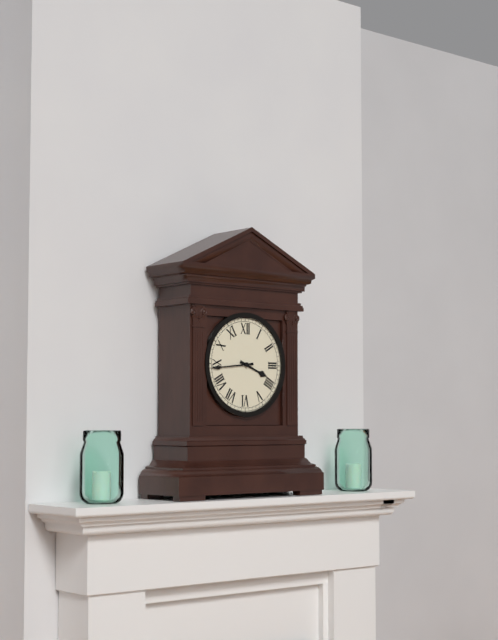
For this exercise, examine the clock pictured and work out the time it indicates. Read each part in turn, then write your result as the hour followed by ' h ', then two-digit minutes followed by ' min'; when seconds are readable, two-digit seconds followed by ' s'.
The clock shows 3 h 44 min
